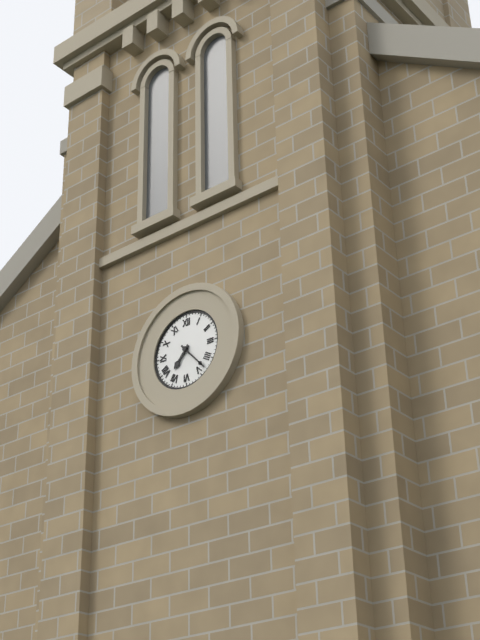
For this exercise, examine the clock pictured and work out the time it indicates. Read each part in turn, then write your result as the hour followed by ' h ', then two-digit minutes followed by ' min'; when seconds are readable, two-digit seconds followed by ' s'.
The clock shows 7 h 23 min
